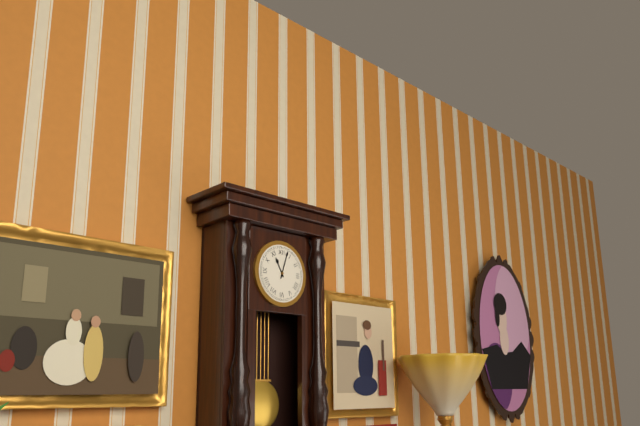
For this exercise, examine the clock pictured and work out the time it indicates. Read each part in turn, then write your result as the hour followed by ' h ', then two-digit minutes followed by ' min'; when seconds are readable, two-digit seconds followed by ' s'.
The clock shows 11 h 03 min
